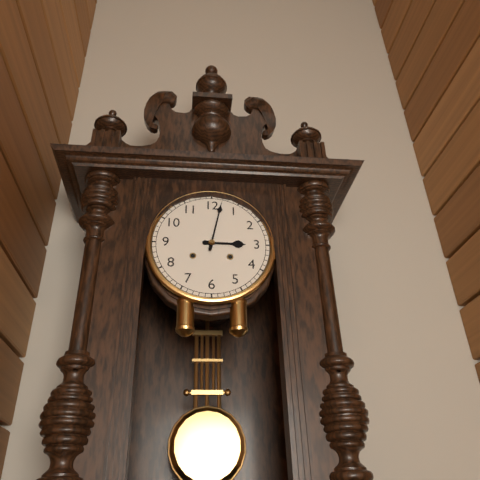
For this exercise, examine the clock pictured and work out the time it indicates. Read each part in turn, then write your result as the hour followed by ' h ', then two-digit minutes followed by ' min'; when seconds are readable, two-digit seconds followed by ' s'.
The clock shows 3 h 02 min
